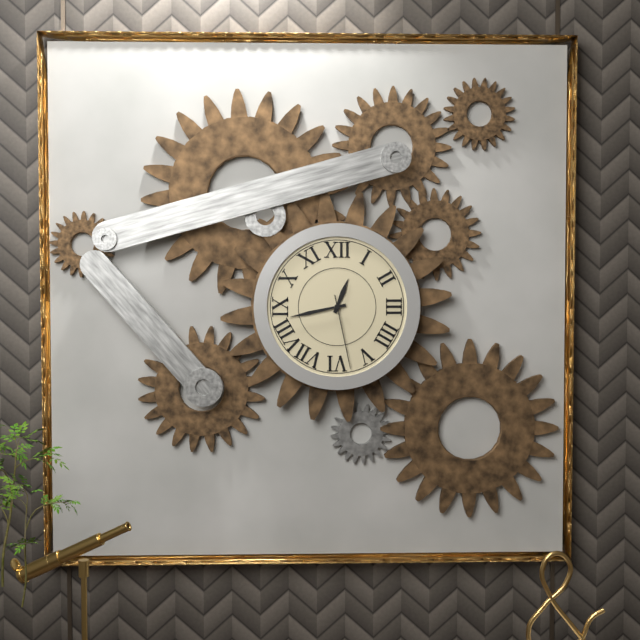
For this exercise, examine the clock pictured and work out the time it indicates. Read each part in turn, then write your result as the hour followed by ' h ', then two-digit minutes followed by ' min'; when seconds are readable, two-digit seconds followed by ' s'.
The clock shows 12 h 43 min 28 s
